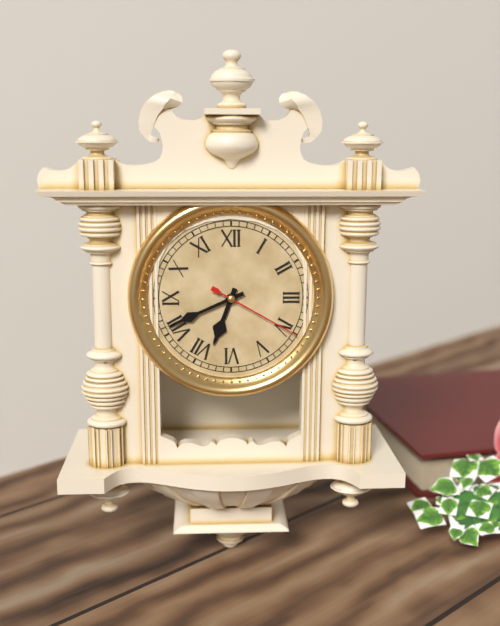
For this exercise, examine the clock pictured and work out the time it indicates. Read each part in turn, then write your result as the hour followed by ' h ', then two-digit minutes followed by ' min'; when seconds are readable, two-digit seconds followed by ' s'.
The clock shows 6 h 41 min 20 s
